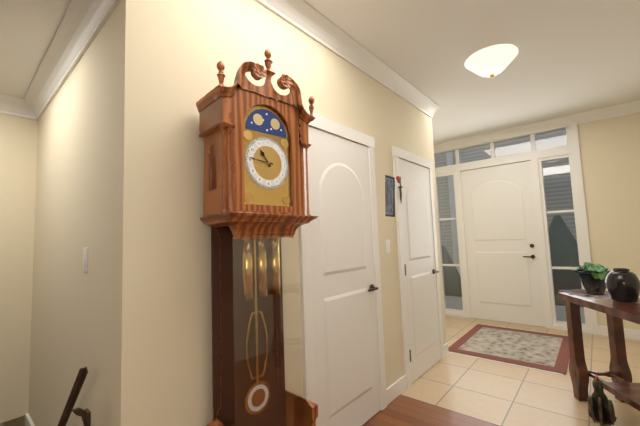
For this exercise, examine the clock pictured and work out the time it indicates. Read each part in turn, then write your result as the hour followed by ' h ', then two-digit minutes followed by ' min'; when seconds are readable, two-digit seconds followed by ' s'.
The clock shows 10 h 46 min
